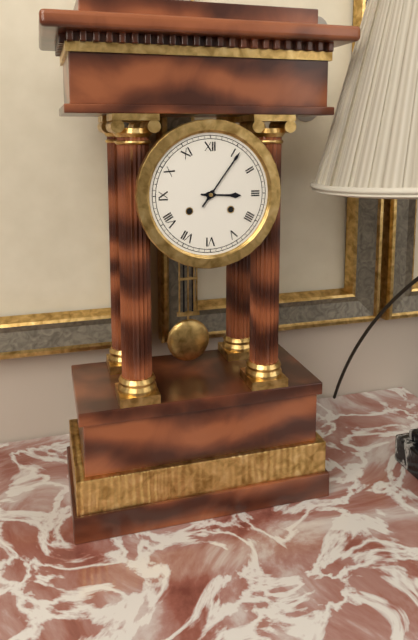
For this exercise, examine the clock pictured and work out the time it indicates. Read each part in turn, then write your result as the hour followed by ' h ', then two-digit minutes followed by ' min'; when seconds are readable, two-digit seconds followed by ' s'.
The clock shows 3 h 06 min
